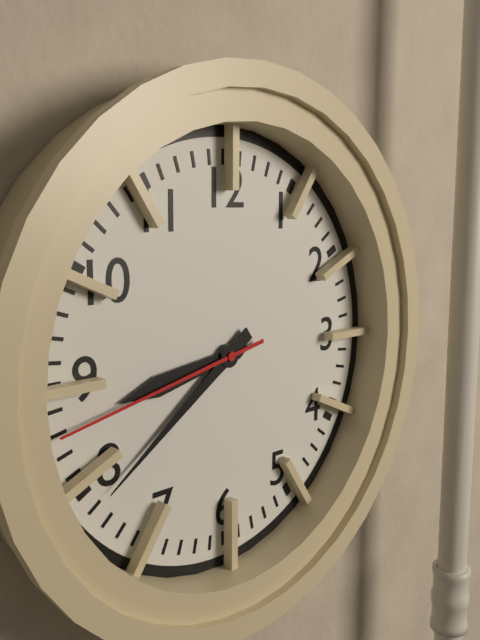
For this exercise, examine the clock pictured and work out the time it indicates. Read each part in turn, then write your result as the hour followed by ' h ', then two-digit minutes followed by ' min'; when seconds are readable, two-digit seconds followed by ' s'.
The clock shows 8 h 39 min 43 s
